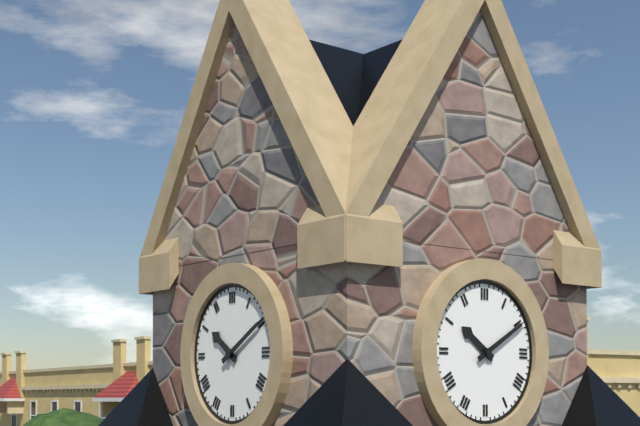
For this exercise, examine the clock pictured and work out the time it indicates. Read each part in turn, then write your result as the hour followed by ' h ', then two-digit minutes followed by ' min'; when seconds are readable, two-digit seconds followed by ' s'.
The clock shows 10 h 10 min
